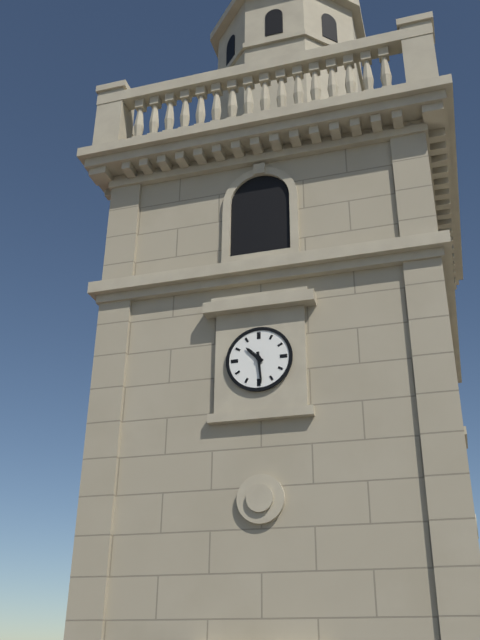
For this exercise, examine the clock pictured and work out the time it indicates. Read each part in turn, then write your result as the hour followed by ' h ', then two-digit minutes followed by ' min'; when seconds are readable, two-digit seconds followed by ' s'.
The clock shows 10 h 29 min
